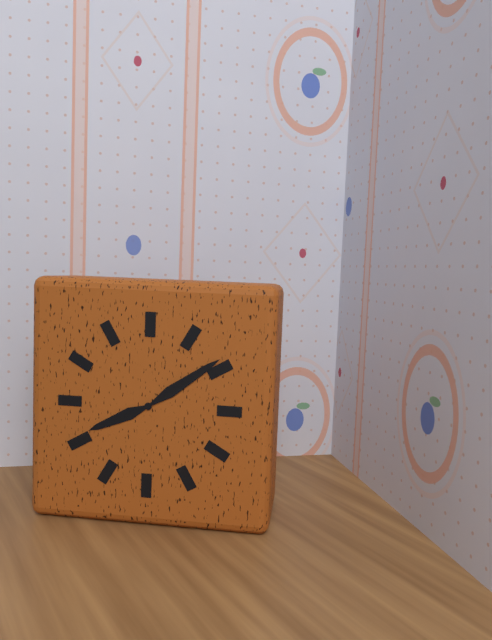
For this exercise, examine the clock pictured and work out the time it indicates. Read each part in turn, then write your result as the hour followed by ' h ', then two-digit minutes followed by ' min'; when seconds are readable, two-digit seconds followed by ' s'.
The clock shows 8 h 09 min
